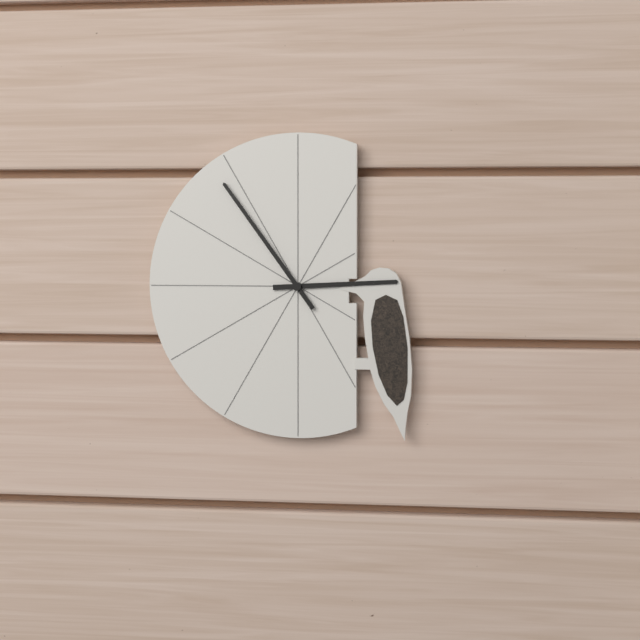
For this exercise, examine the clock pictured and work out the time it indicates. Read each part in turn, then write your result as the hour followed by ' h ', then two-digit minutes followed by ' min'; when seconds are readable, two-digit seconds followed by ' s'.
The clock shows 2 h 54 min
